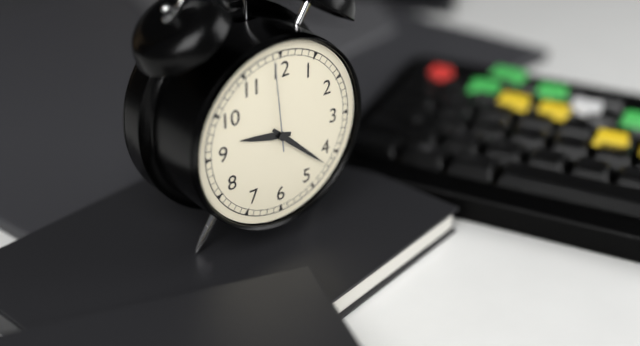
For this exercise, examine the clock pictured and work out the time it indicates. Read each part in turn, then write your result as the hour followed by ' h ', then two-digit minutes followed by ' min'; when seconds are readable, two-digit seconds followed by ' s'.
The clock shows 9 h 22 min 59 s
